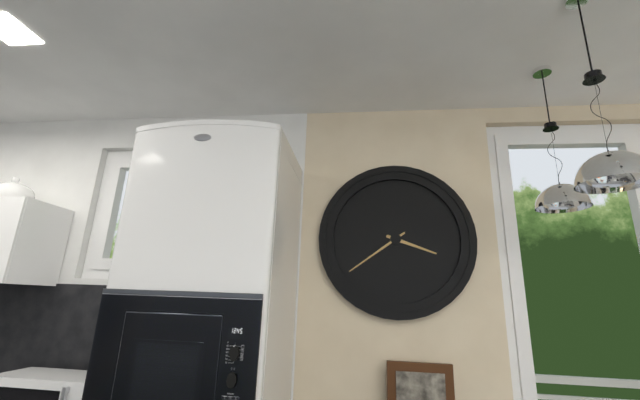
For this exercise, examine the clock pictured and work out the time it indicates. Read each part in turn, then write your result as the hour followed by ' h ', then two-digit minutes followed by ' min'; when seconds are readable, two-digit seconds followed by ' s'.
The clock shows 3 h 39 min
